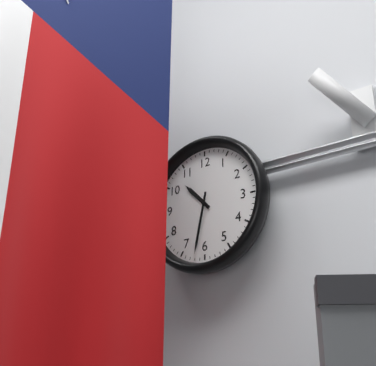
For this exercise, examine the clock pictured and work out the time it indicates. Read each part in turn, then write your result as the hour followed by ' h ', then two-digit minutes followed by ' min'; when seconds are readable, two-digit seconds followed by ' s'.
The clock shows 10 h 32 min
